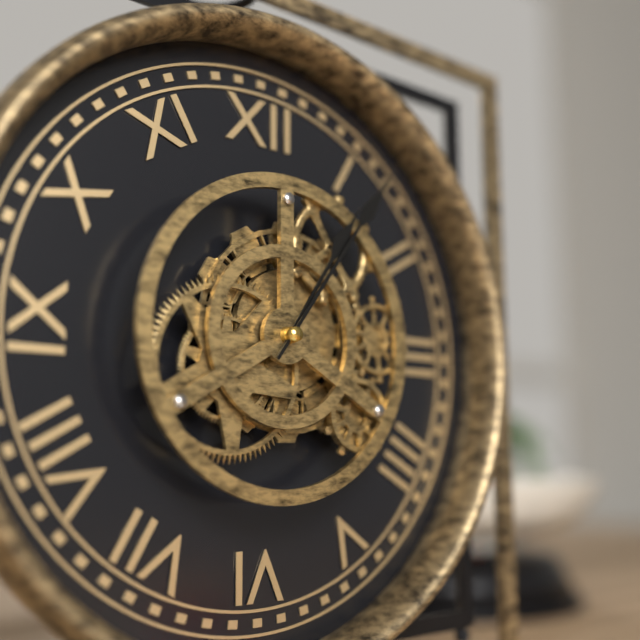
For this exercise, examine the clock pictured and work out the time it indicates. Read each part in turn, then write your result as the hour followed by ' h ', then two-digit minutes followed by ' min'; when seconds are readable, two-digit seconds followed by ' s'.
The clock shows 1 h 06 min
